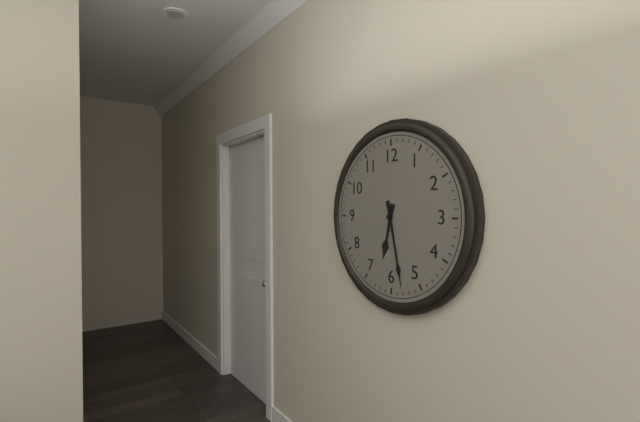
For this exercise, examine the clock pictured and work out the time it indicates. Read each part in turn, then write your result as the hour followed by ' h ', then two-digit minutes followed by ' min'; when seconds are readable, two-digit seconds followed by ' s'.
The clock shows 6 h 28 min
